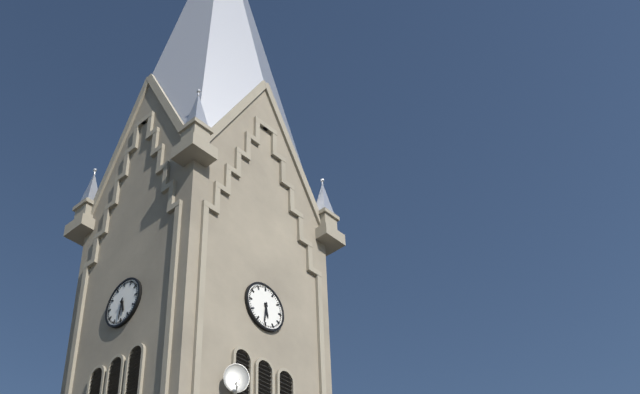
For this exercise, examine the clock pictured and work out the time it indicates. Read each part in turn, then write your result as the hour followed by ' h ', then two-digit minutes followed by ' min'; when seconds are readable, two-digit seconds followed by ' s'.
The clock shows 5 h 31 min
